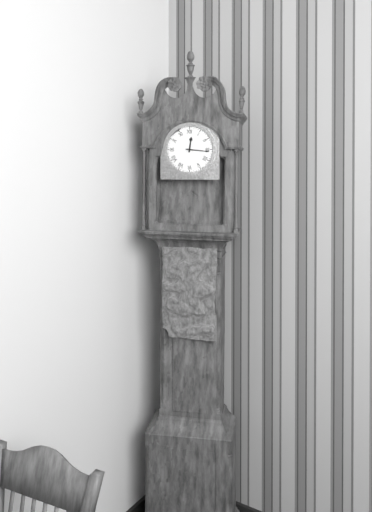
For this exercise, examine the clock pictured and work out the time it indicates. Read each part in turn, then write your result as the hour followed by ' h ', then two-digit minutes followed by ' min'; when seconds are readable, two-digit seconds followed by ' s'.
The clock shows 12 h 16 min
